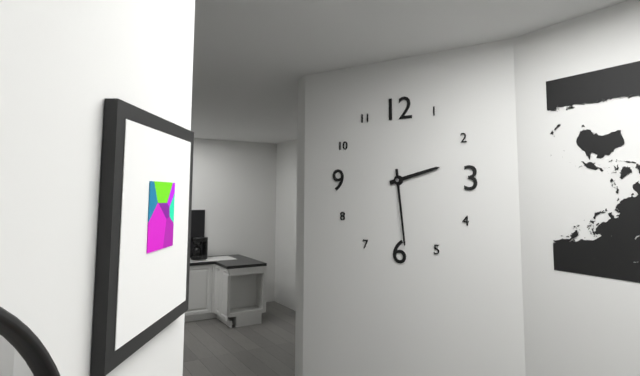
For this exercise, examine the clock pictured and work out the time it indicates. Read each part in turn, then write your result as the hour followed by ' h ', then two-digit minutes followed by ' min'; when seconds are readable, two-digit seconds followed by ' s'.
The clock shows 2 h 29 min
